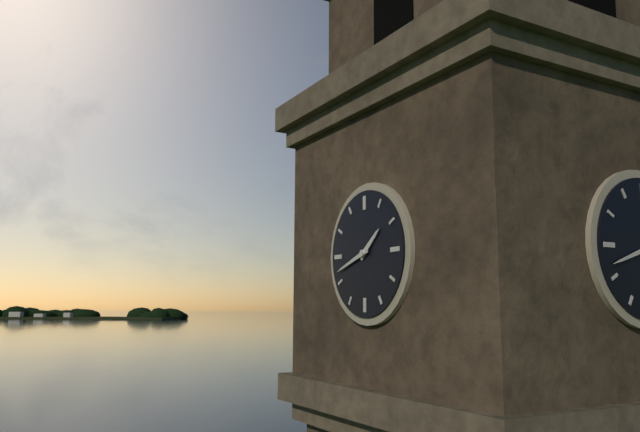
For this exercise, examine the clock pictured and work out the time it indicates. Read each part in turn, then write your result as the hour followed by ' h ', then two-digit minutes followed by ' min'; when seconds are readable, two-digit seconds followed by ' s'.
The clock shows 1 h 42 min
